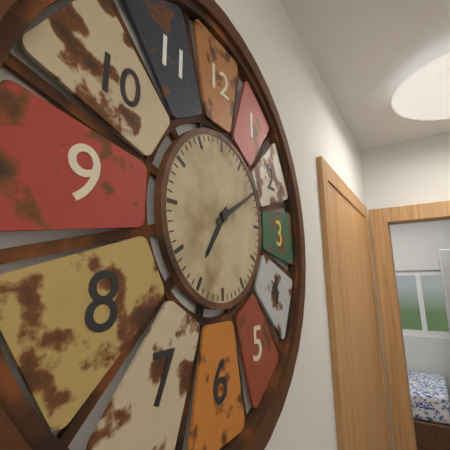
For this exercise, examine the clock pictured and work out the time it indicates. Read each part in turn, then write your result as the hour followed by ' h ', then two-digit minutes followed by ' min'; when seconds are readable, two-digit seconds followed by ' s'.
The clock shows 7 h 10 min
